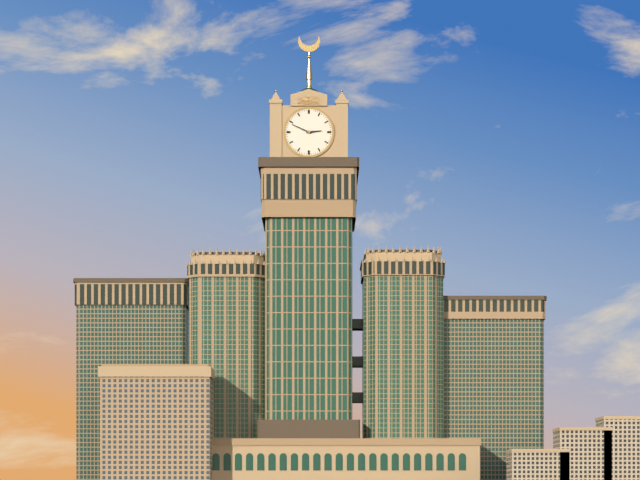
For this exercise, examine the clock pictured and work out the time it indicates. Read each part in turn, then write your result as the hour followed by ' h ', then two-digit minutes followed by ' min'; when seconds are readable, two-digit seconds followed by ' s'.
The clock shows 2 h 49 min
